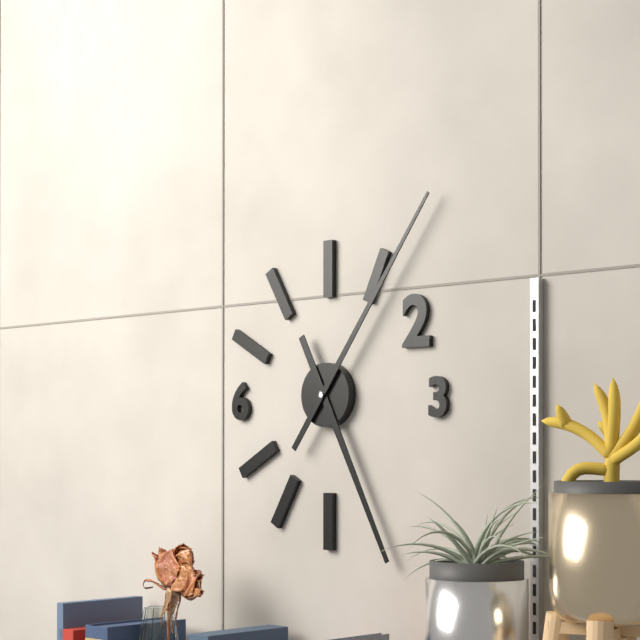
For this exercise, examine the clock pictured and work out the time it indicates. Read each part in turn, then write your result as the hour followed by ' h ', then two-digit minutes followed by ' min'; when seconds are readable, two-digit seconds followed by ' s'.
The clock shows 5 h 06 min
